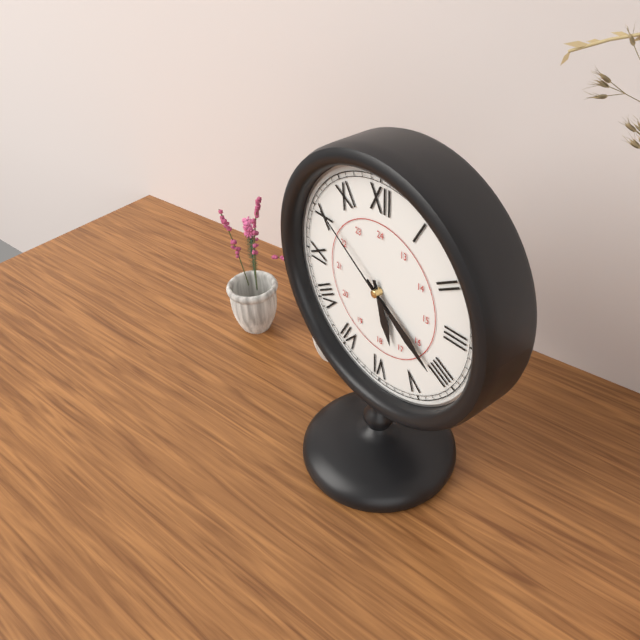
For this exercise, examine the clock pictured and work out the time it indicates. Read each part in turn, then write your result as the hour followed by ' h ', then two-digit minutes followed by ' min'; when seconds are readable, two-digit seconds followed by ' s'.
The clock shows 5 h 21 min 51 s
